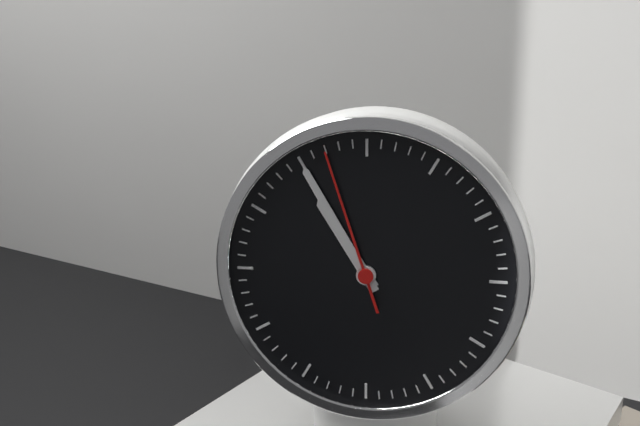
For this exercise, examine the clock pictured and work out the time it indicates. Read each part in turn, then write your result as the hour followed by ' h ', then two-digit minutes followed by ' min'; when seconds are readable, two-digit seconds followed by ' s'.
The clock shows 10 h 55 min 57 s
